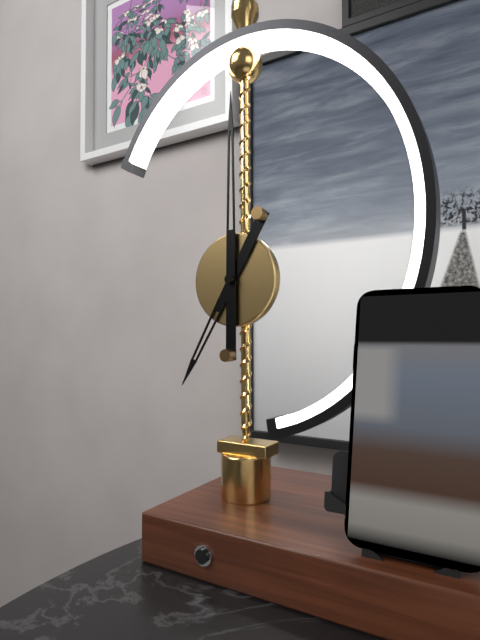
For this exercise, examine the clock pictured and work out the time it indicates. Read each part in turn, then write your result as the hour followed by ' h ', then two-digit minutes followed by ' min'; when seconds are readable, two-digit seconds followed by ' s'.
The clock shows 7 h 00 min
